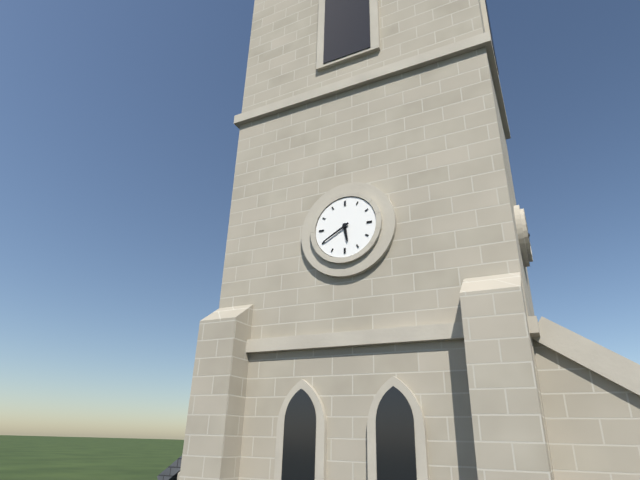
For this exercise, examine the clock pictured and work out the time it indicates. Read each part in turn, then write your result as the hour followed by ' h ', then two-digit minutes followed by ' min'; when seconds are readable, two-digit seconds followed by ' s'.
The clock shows 5 h 40 min
